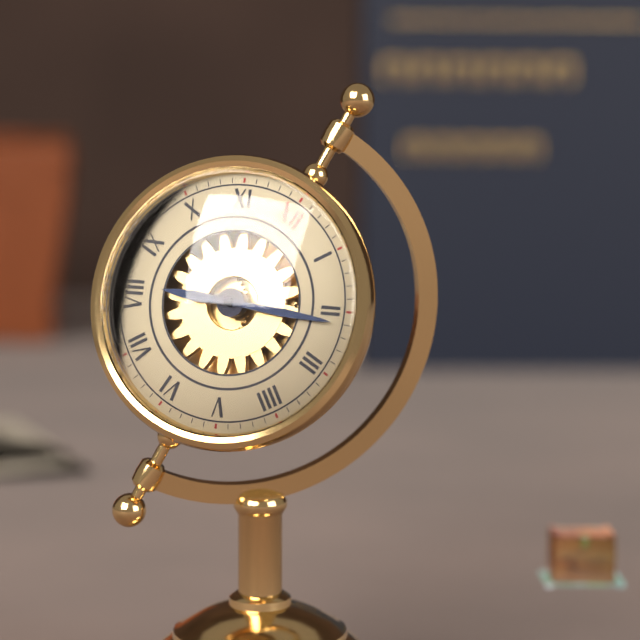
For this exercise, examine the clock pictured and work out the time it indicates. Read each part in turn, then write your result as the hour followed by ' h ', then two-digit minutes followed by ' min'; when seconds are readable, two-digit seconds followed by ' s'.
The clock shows 8 h 11 min
